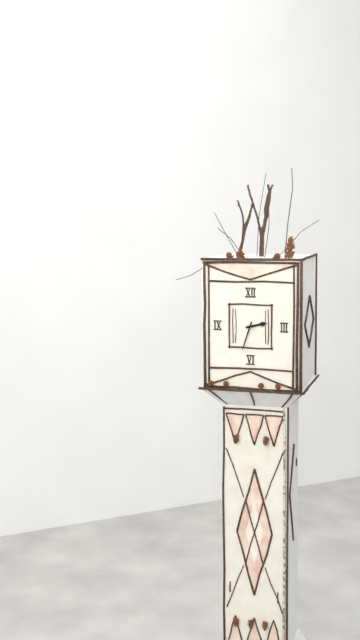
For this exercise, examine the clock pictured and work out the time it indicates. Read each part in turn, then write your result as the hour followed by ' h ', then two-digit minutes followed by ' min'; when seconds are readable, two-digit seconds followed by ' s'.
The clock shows 2 h 33 min
